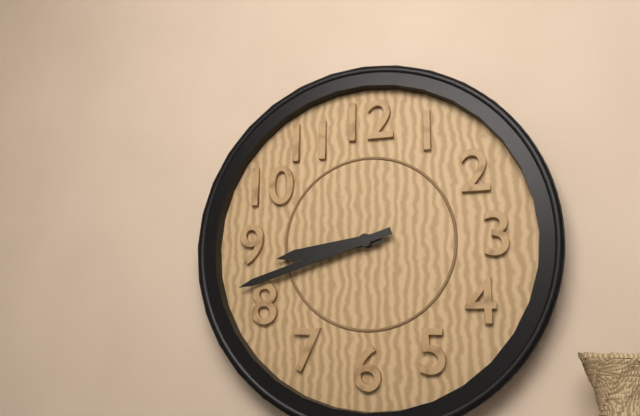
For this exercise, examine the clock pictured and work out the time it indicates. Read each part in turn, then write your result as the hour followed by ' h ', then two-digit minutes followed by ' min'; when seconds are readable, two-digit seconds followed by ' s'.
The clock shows 8 h 42 min
